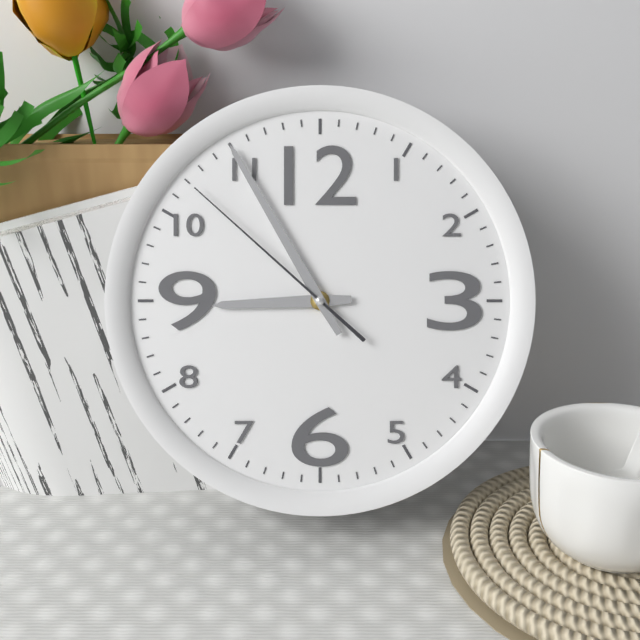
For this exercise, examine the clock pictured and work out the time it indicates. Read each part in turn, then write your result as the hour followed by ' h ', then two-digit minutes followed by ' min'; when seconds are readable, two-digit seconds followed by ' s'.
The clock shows 8 h 55 min 52 s
